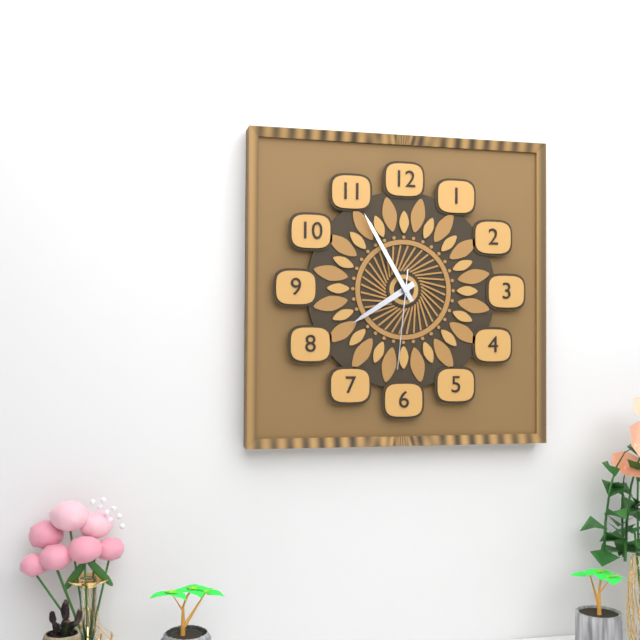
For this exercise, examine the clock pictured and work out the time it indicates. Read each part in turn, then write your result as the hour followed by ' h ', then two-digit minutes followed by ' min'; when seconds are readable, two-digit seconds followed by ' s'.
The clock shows 7 h 55 min 31 s
